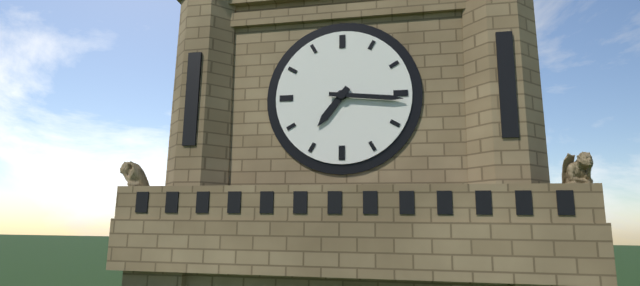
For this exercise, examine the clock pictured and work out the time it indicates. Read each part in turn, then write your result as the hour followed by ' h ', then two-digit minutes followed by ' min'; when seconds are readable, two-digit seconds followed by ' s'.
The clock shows 7 h 16 min
